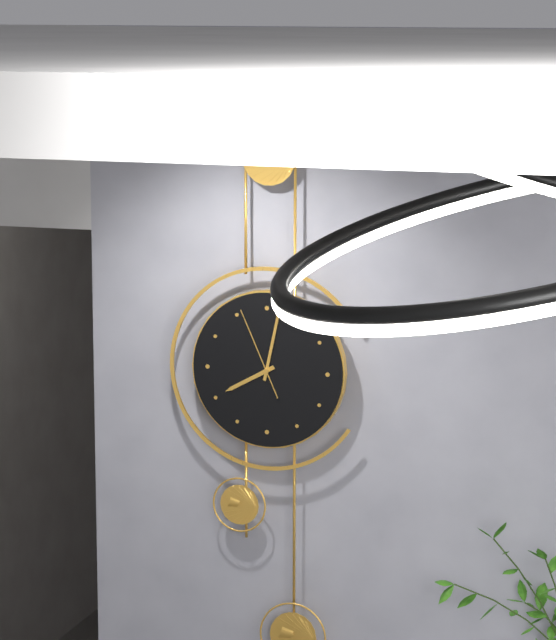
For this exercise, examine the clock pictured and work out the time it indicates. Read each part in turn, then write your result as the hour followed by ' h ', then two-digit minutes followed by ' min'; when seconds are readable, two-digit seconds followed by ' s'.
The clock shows 8 h 02 min 56 s
